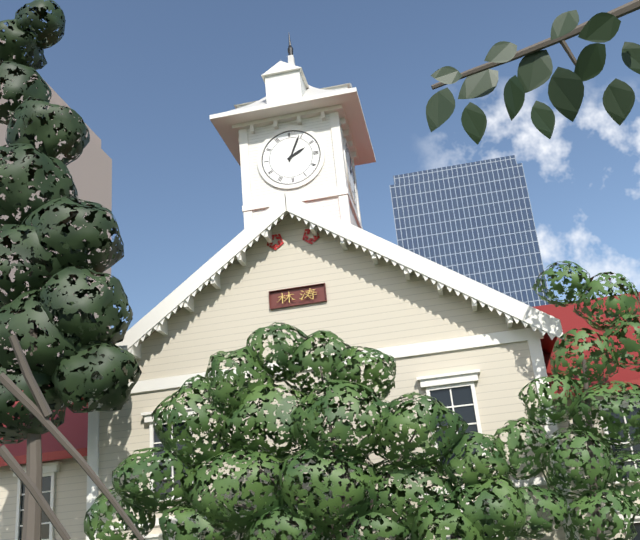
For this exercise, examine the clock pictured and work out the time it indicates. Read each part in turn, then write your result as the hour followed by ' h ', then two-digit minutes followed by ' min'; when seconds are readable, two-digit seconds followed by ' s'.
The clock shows 2 h 04 min
